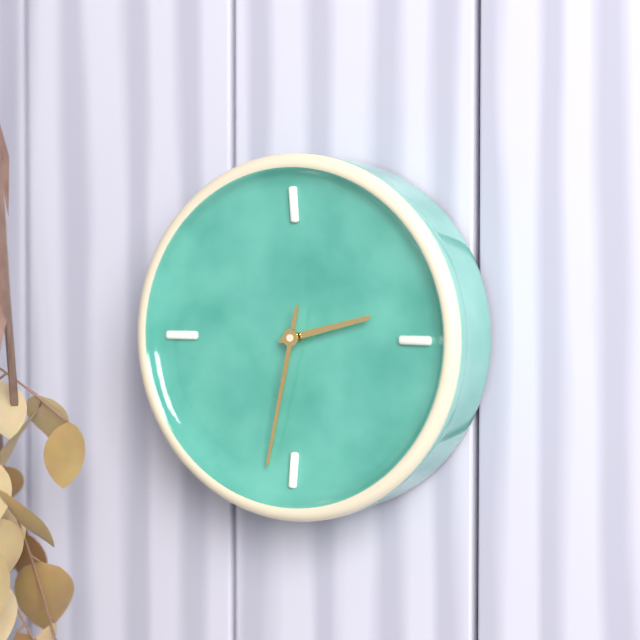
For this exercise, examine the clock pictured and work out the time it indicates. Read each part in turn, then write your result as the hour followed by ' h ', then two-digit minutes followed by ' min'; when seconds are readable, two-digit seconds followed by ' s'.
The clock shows 2 h 32 min
